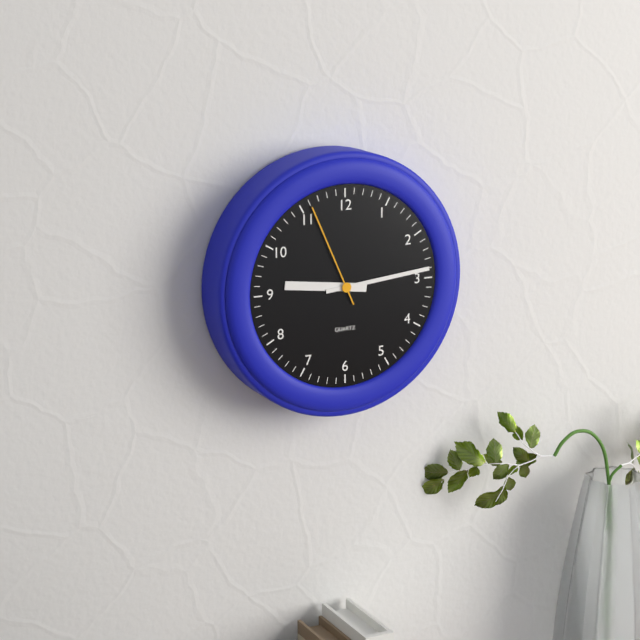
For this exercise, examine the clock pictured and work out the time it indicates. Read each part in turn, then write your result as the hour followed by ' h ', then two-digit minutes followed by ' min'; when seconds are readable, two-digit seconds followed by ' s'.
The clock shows 9 h 14 min 56 s
